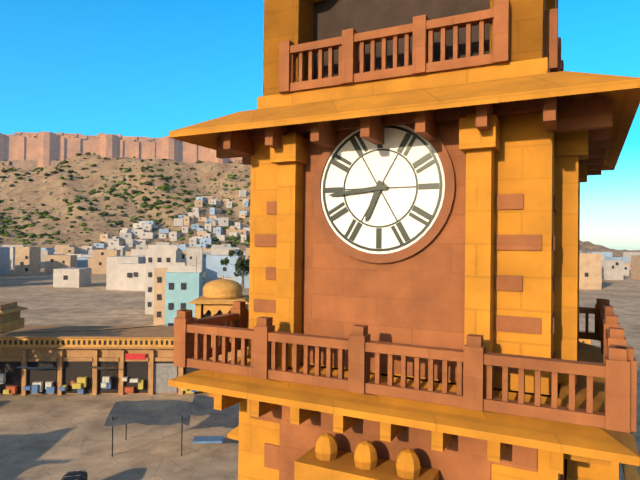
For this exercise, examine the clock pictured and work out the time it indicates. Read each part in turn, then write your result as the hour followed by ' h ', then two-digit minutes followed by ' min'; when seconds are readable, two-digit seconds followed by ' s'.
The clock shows 6 h 44 min
